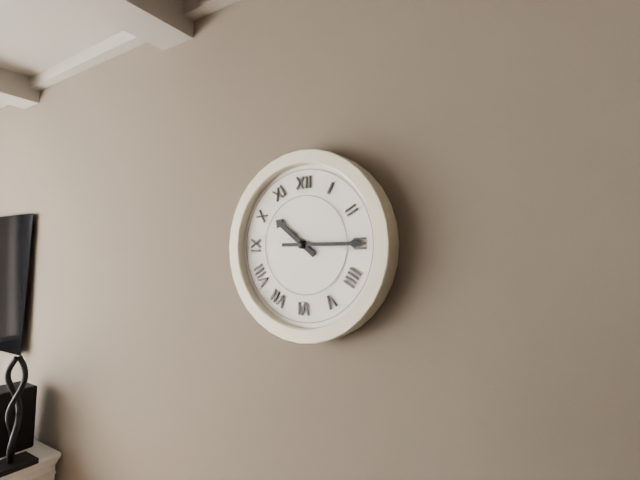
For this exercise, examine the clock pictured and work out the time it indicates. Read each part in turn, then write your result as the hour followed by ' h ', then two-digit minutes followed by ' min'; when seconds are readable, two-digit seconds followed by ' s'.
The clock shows 10 h 15 min
